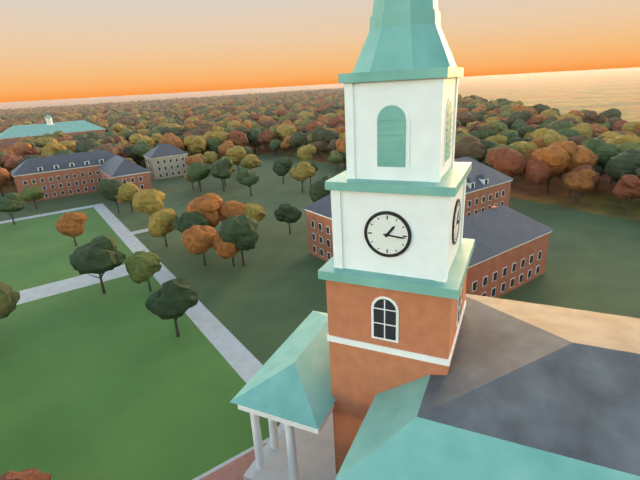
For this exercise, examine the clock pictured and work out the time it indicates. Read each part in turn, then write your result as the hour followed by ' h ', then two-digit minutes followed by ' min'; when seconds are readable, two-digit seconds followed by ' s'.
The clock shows 1 h 16 min
